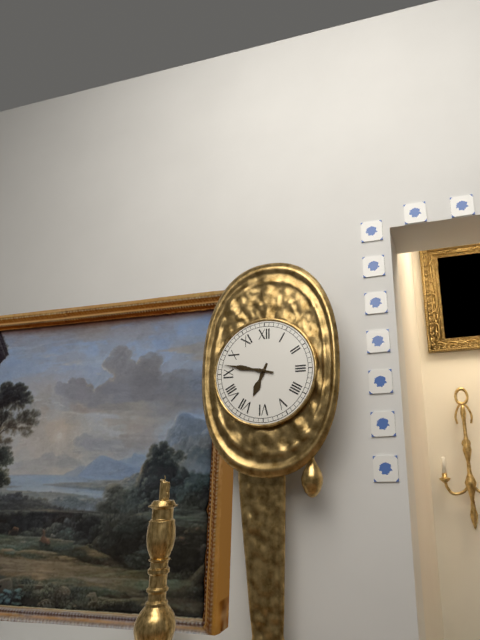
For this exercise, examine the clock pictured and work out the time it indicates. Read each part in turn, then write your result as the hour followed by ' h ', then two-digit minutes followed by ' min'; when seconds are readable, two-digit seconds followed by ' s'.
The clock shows 6 h 47 min
